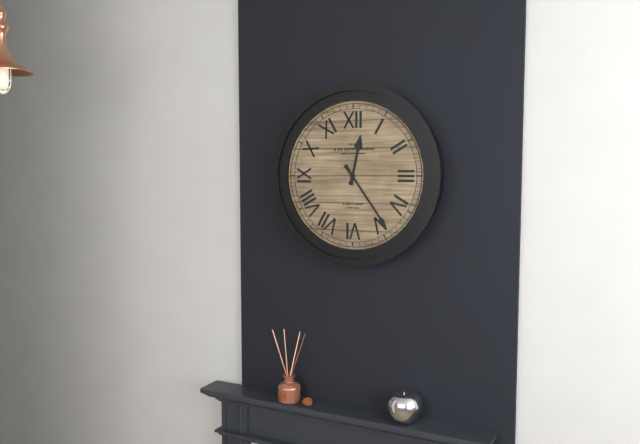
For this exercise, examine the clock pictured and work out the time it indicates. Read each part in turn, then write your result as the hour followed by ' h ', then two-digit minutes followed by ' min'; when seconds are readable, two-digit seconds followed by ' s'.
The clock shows 12 h 24 min
